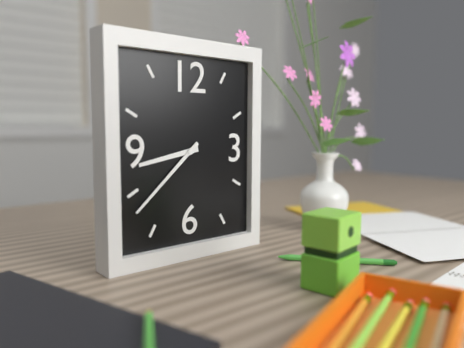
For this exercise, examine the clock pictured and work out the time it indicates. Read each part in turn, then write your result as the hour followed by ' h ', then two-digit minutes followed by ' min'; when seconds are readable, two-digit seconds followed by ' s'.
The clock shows 8 h 38 min
